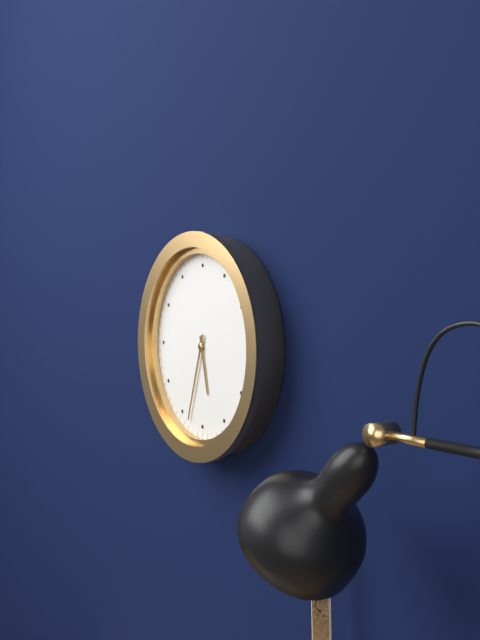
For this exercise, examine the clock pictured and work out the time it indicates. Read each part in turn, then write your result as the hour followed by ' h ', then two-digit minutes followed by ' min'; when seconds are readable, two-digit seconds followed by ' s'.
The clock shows 5 h 33 min
